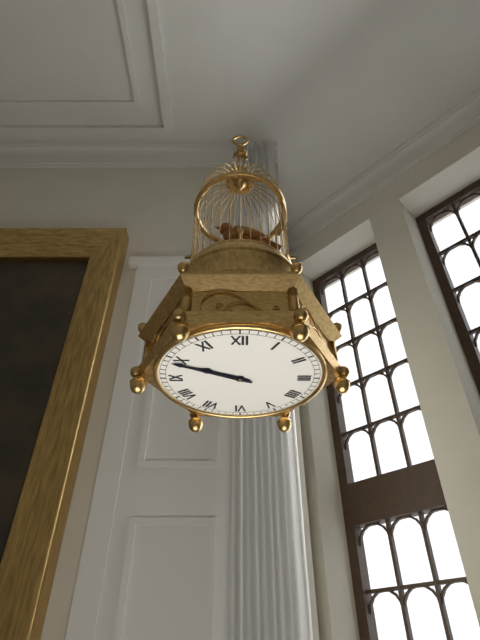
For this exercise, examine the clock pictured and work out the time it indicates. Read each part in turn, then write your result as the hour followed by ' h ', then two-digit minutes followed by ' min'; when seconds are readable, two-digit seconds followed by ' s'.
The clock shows 9 h 49 min
